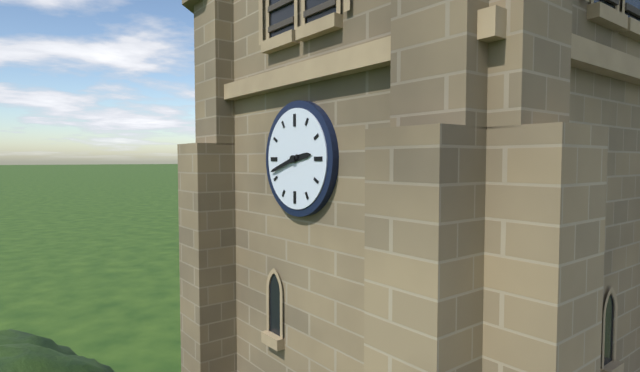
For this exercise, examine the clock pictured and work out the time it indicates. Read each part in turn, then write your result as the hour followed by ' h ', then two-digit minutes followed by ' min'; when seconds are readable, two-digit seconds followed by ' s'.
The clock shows 2 h 42 min
